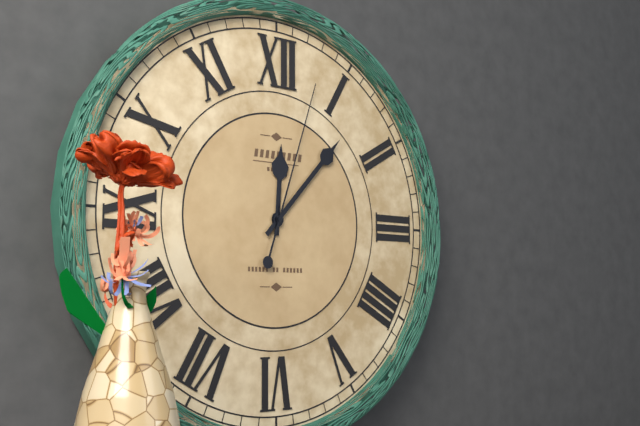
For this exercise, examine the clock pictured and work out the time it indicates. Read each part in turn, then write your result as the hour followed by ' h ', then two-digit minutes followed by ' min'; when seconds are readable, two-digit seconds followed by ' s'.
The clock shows 12 h 07 min 03 s
